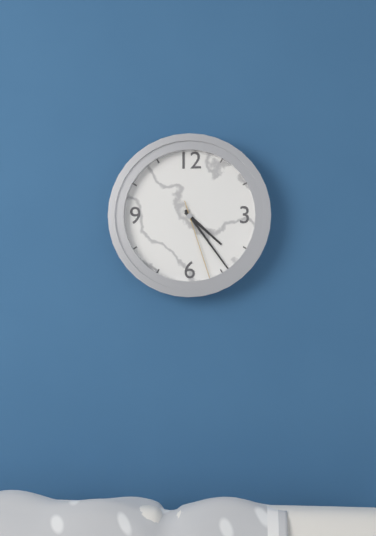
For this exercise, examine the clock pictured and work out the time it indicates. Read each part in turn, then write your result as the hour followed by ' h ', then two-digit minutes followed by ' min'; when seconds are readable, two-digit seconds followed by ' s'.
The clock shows 4 h 24 min 27 s
